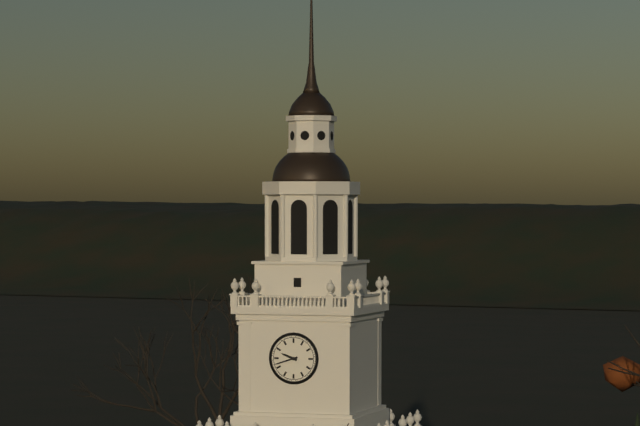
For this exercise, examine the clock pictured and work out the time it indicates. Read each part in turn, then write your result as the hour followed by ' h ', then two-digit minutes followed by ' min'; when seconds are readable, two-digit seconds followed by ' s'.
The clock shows 9 h 42 min
